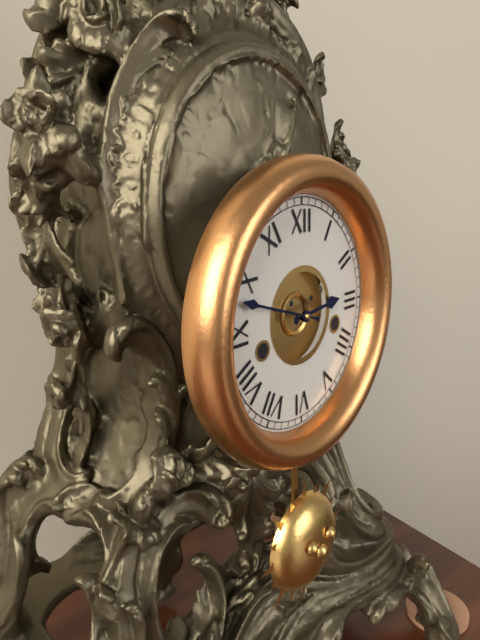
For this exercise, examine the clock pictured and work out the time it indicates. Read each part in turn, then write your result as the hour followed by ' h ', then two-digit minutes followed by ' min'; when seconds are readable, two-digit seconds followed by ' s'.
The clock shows 2 h 48 min
